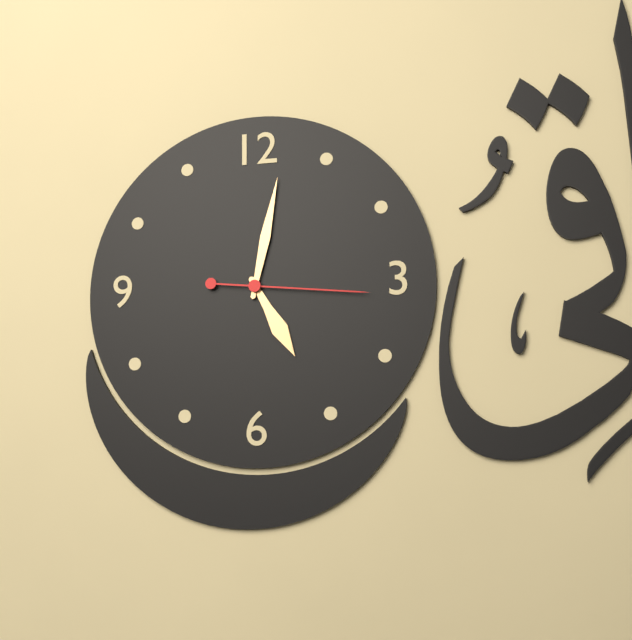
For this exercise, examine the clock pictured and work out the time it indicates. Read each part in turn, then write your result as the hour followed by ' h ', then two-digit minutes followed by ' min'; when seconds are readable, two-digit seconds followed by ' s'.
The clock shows 5 h 02 min 16 s
